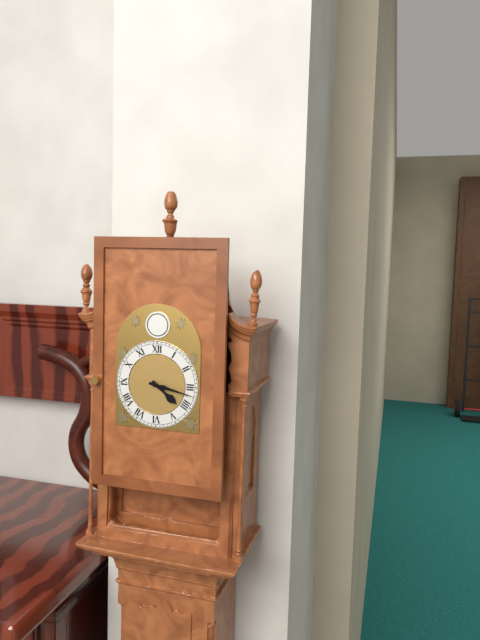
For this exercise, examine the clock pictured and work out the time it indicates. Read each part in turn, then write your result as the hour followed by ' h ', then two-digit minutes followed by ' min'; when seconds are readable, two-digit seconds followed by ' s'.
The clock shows 4 h 17 min
